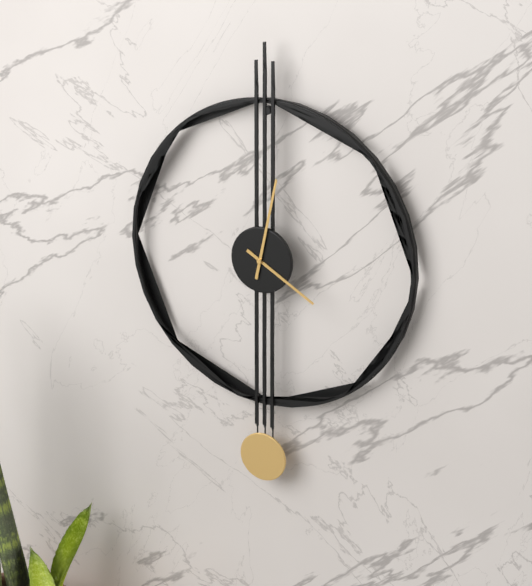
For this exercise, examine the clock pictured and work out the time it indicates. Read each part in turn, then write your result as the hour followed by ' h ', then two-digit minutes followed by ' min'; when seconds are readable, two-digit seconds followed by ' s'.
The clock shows 4 h 02 min
